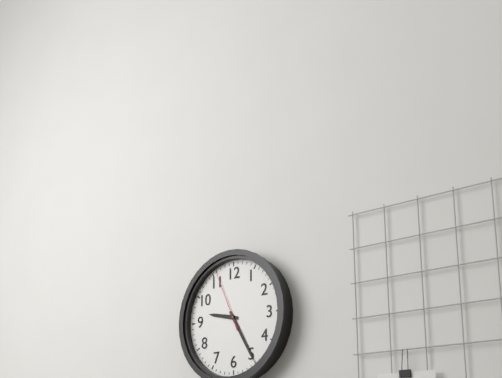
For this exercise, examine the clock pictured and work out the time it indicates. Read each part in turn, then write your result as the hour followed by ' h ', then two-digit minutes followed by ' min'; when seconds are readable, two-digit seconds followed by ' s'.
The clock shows 9 h 25 min 56 s
